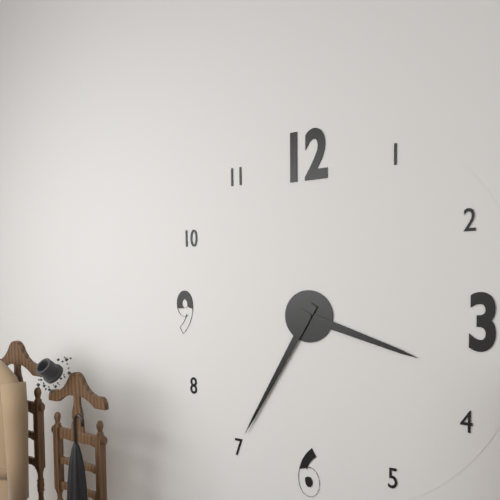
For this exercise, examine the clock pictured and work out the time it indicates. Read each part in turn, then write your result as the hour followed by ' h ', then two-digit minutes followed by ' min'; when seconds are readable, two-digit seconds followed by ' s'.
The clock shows 3 h 35 min
